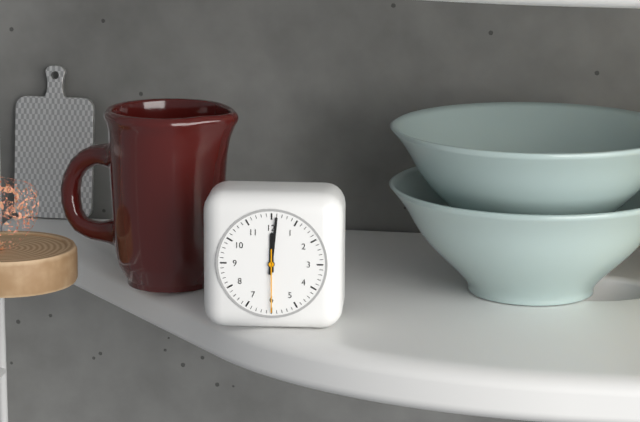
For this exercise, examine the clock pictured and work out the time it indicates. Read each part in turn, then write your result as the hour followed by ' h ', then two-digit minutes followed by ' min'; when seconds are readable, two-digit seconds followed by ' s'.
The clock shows 12 h 01 min 30 s
